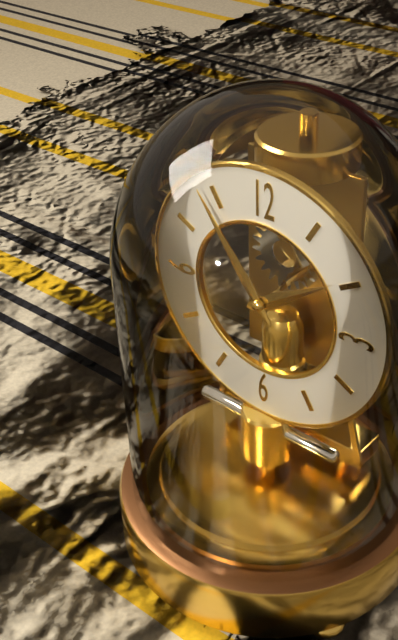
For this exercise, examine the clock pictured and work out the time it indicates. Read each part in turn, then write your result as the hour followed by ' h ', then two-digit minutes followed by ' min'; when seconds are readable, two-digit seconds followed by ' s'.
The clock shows 1 h 54 min
